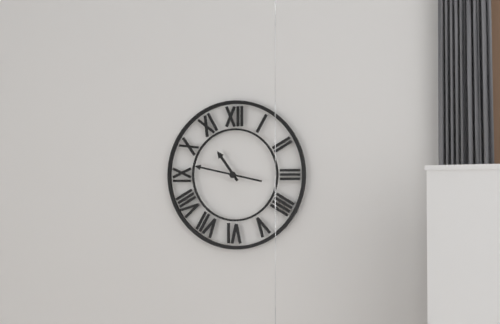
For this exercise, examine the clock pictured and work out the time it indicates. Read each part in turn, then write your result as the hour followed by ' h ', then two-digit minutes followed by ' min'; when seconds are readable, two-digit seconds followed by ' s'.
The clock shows 10 h 47 min
